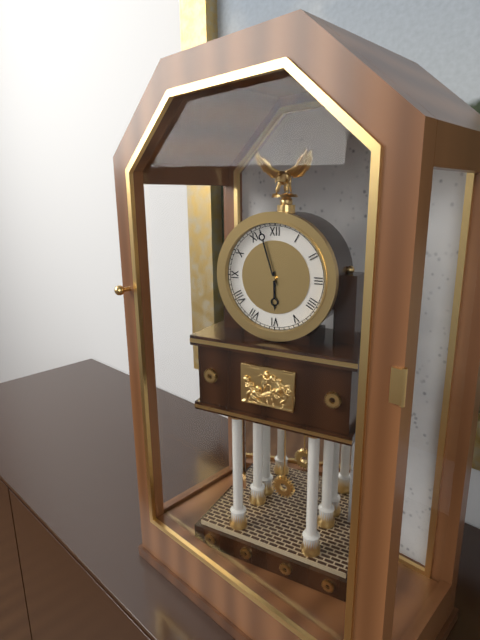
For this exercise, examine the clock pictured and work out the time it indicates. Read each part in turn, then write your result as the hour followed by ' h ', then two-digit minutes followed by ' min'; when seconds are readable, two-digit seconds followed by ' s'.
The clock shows 5 h 57 min
